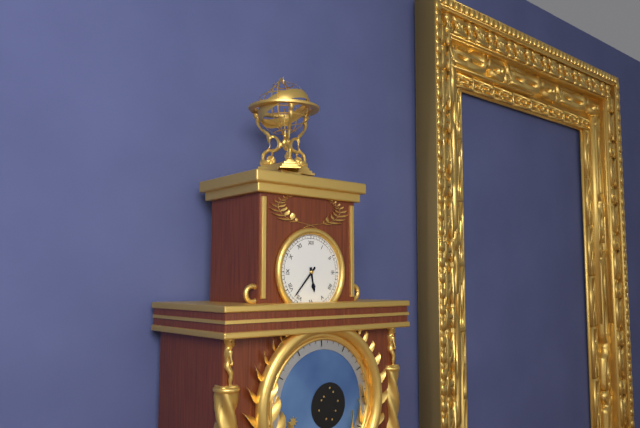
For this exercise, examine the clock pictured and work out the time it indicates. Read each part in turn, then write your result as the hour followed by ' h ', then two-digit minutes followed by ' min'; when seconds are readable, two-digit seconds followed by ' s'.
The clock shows 5 h 37 min
